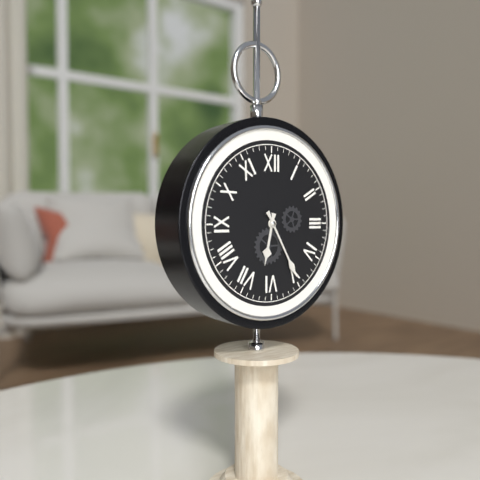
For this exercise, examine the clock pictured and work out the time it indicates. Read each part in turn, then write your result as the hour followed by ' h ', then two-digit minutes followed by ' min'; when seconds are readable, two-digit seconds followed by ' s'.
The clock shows 6 h 25 min
